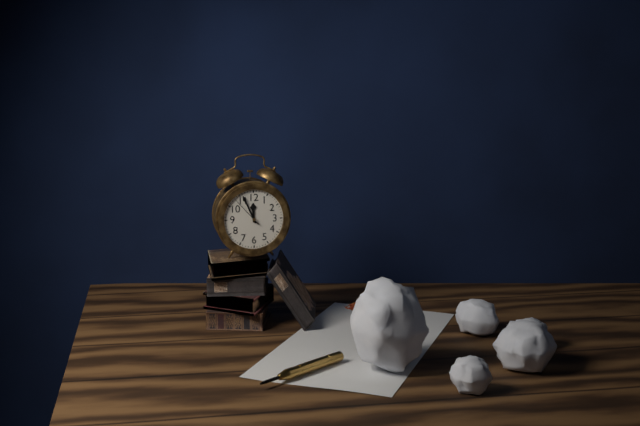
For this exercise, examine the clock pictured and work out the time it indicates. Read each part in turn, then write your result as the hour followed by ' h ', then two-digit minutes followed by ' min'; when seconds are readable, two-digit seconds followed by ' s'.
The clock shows 11 h 56 min
